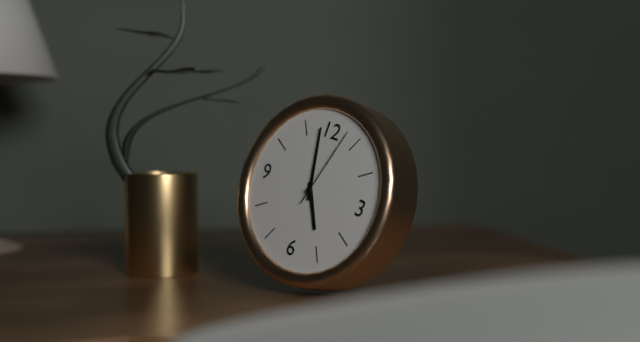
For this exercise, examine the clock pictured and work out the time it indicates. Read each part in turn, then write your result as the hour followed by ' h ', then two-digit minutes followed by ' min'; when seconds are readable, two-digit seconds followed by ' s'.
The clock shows 4 h 58 min 03 s
